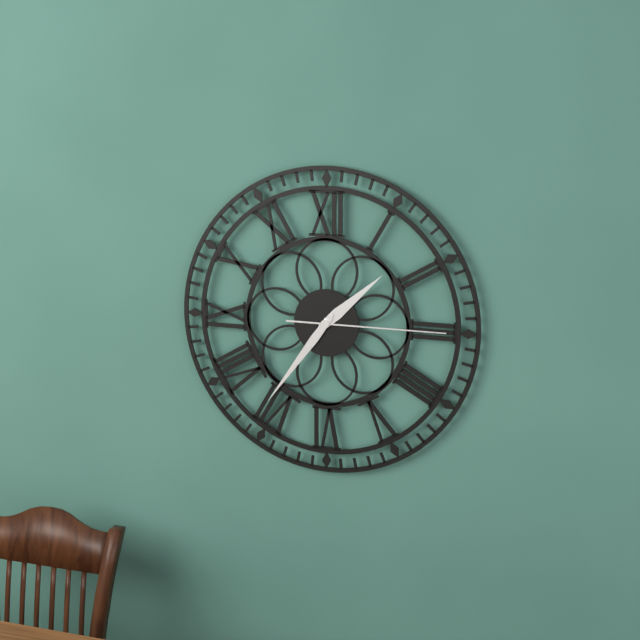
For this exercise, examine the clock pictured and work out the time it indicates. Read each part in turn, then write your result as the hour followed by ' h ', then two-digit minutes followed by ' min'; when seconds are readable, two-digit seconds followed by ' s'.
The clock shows 1 h 36 min 15 s
